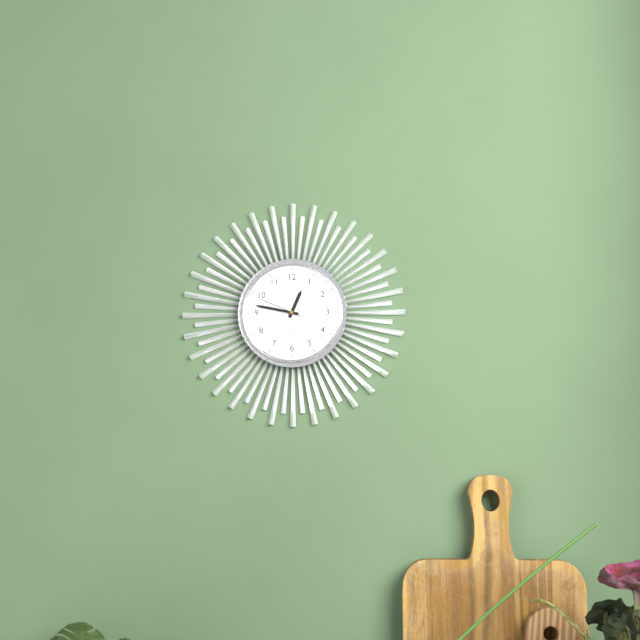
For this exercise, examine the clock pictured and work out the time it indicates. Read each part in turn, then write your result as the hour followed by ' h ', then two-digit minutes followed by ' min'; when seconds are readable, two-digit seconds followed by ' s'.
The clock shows 12 h 47 min 49 s
